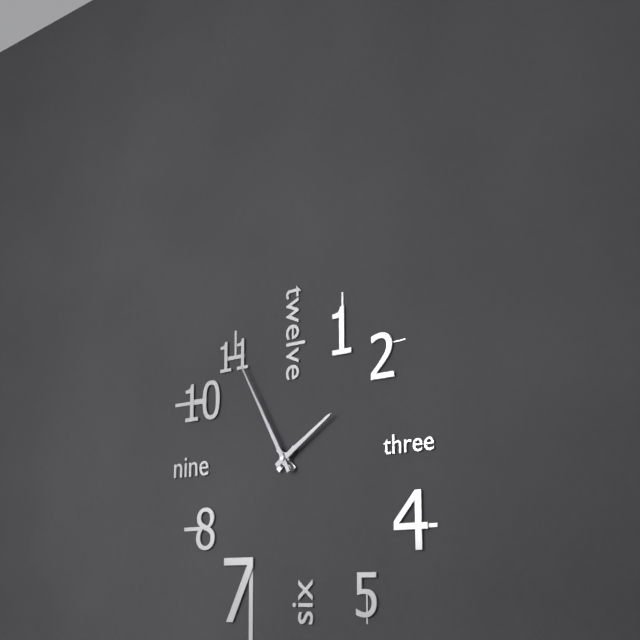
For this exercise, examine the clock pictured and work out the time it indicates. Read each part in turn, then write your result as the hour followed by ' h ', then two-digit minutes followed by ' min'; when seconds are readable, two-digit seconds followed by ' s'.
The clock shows 1 h 55 min
